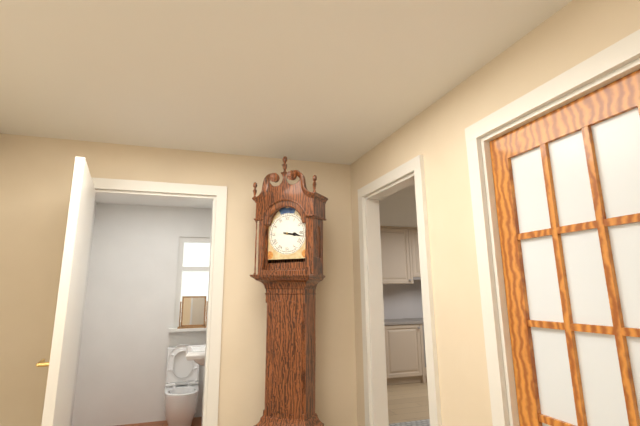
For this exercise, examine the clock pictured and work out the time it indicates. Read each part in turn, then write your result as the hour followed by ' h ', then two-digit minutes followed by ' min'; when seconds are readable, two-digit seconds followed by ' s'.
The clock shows 3 h 17 min
